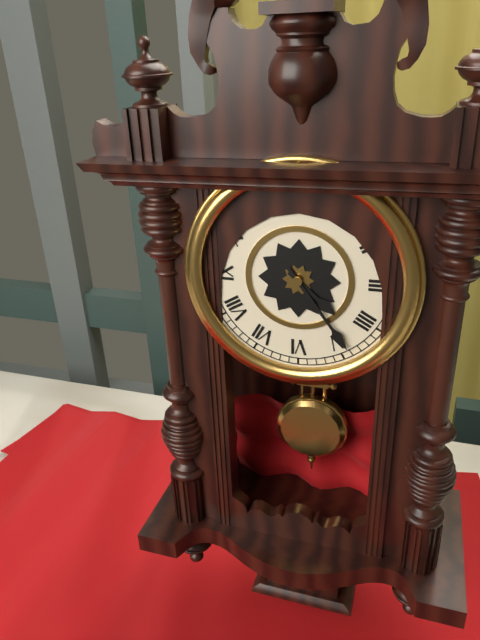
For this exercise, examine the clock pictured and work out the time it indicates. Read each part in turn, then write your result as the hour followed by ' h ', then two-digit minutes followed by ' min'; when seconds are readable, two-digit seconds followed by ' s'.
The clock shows 4 h 24 min
